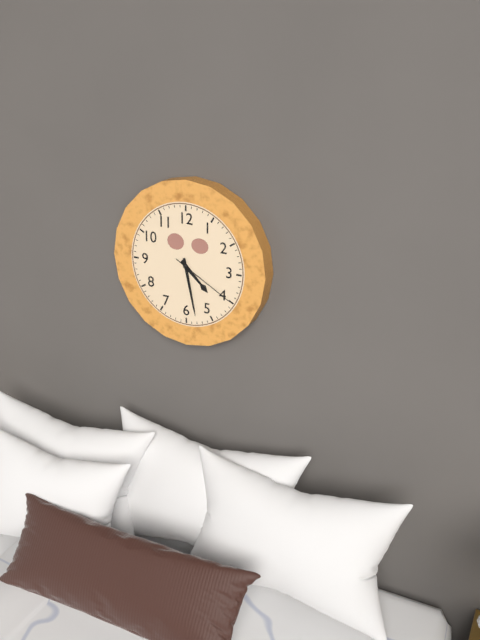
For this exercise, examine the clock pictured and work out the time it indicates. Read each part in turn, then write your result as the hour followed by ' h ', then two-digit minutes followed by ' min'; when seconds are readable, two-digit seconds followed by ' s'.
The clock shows 4 h 28 min 20 s
